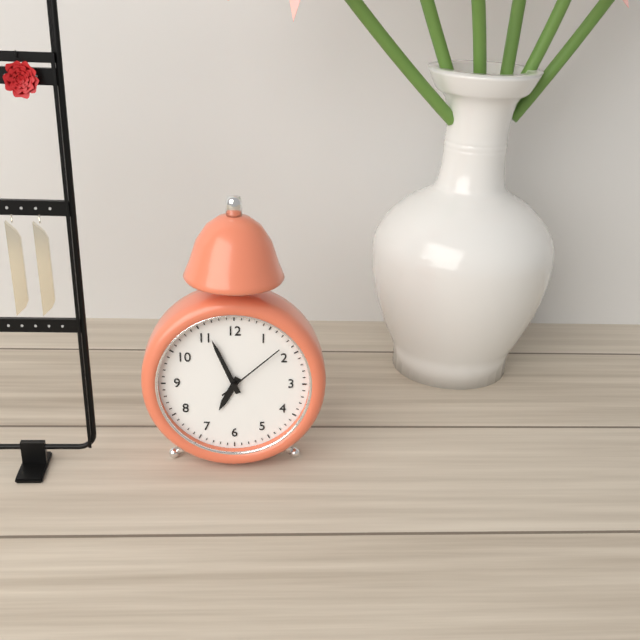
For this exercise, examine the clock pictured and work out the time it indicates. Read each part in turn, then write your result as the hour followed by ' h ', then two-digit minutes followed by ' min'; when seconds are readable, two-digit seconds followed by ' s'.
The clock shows 6 h 56 min 08 s
